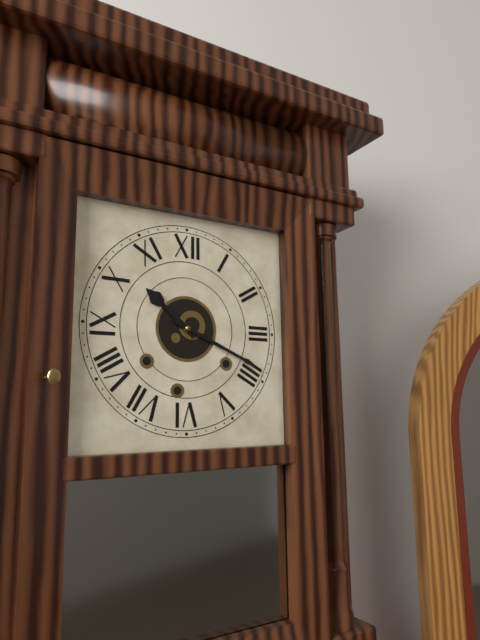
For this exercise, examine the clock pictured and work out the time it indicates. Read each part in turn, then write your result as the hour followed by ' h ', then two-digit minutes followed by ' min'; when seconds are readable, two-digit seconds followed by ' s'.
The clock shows 10 h 19 min
